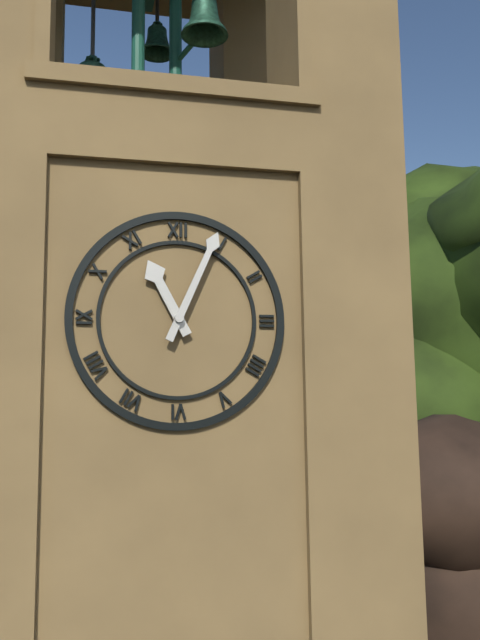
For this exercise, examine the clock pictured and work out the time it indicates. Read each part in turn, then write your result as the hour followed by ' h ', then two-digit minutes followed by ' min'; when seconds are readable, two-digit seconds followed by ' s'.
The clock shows 11 h 04 min
